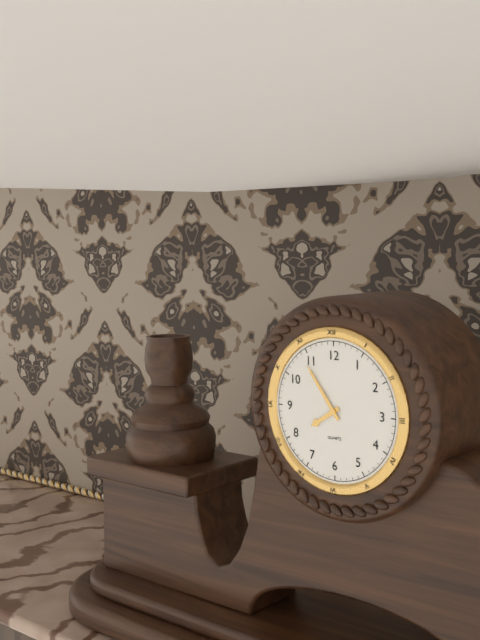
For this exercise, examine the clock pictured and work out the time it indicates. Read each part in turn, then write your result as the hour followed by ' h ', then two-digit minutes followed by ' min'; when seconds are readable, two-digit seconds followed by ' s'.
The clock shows 7 h 54 min
